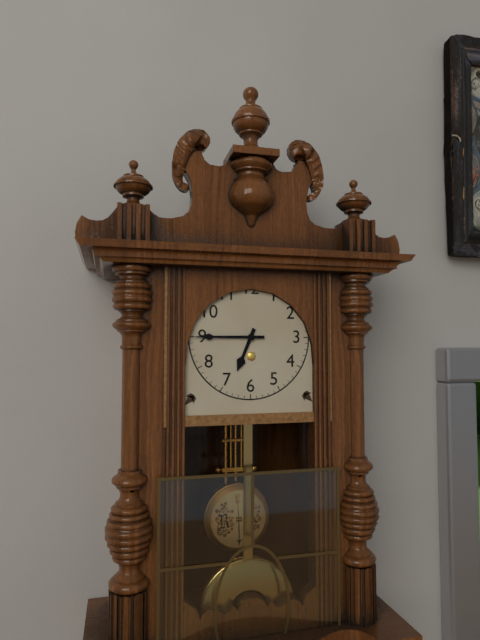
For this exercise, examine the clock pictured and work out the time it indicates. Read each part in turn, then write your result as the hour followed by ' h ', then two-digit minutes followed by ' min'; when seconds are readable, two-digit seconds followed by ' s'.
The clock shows 6 h 45 min
